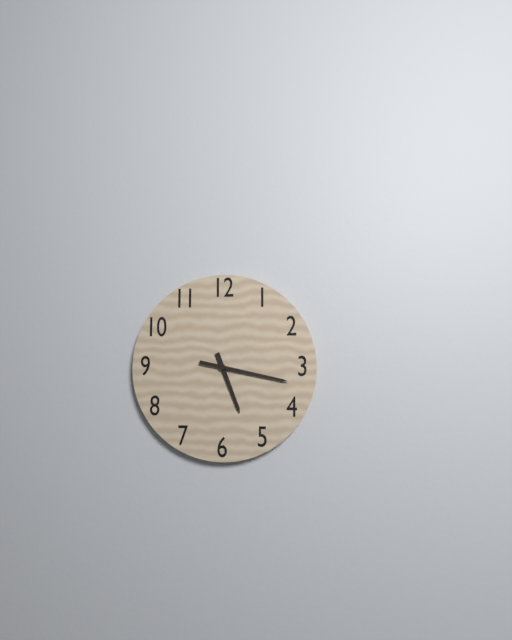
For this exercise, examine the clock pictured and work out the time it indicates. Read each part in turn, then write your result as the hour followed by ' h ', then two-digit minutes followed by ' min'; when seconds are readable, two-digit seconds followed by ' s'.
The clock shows 5 h 17 min
